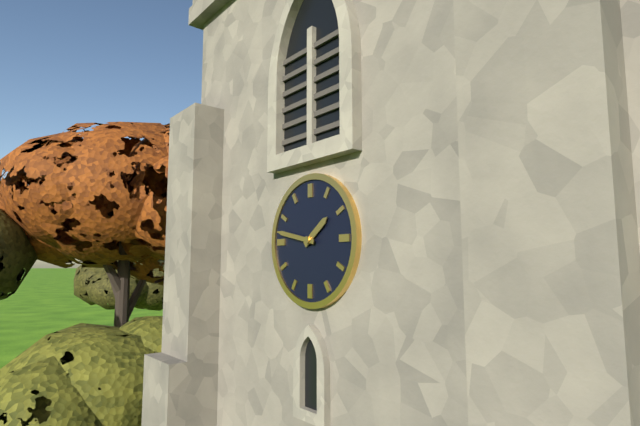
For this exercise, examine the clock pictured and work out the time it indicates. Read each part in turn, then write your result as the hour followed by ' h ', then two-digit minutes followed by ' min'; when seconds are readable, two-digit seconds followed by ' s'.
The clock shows 1 h 47 min
